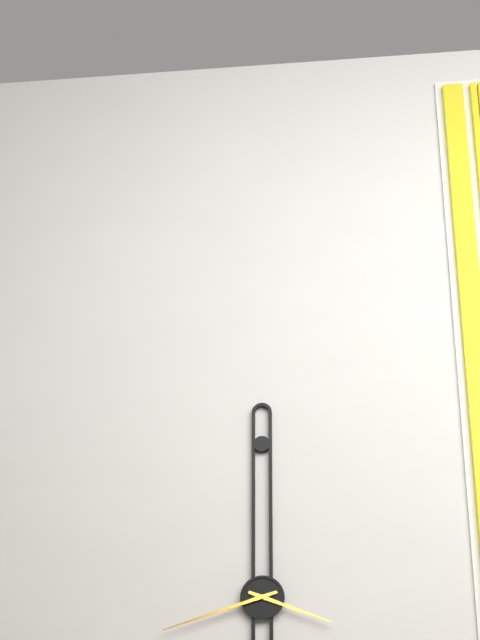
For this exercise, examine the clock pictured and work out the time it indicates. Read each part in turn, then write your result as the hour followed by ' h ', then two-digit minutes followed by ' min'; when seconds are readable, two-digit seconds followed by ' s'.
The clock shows 3 h 42 min
